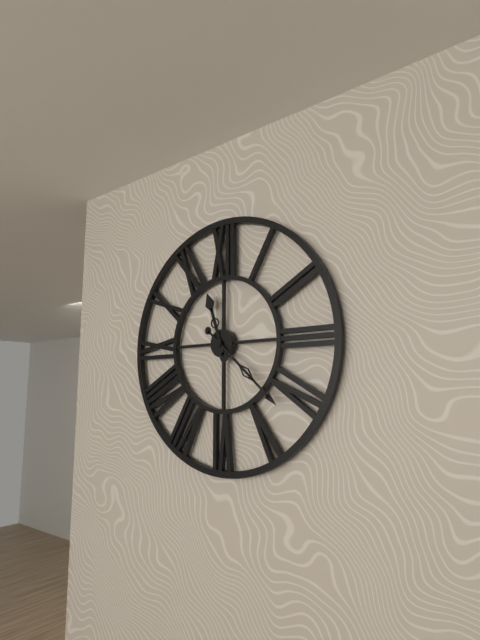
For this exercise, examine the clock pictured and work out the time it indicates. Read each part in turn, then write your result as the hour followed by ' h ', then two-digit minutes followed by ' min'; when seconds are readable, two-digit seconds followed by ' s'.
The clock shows 11 h 22 min
